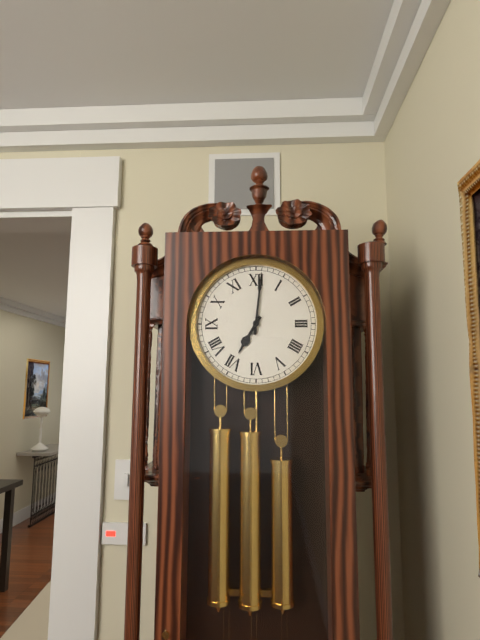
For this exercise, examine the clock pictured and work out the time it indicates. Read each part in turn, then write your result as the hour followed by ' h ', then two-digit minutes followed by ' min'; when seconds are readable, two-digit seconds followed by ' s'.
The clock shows 7 h 01 min
